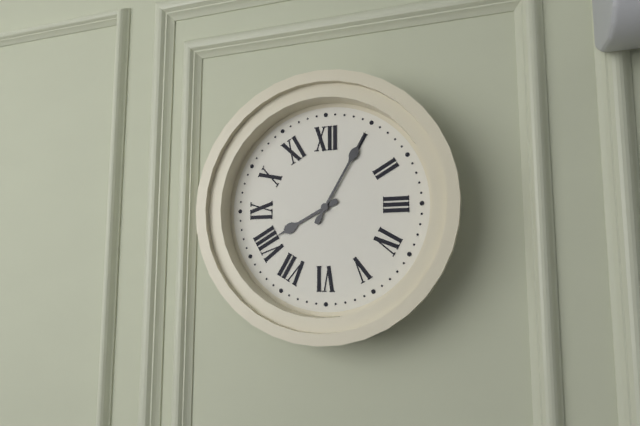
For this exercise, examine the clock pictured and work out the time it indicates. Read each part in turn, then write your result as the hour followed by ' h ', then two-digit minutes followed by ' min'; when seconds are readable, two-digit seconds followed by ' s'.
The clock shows 8 h 05 min
